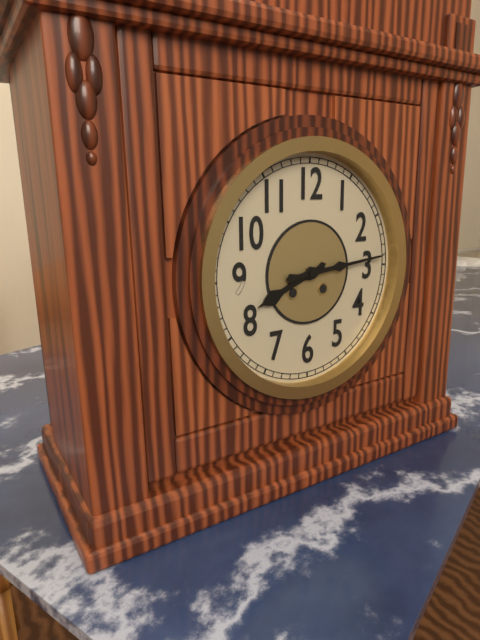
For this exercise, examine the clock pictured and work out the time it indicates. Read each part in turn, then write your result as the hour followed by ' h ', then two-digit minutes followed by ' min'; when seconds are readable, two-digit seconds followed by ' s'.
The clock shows 8 h 14 min
